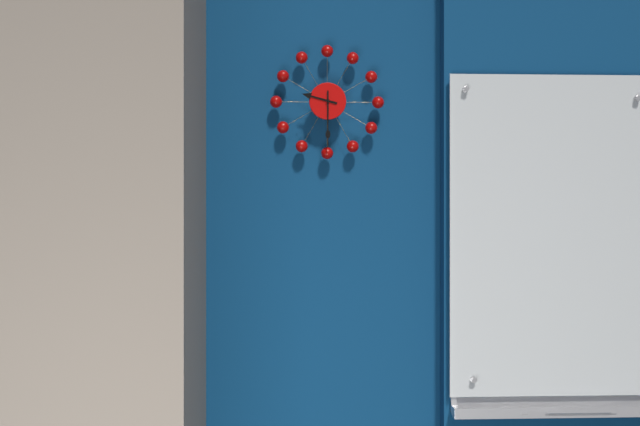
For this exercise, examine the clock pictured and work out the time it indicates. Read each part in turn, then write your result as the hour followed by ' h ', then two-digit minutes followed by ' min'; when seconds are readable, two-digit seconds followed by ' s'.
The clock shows 9 h 30 min
